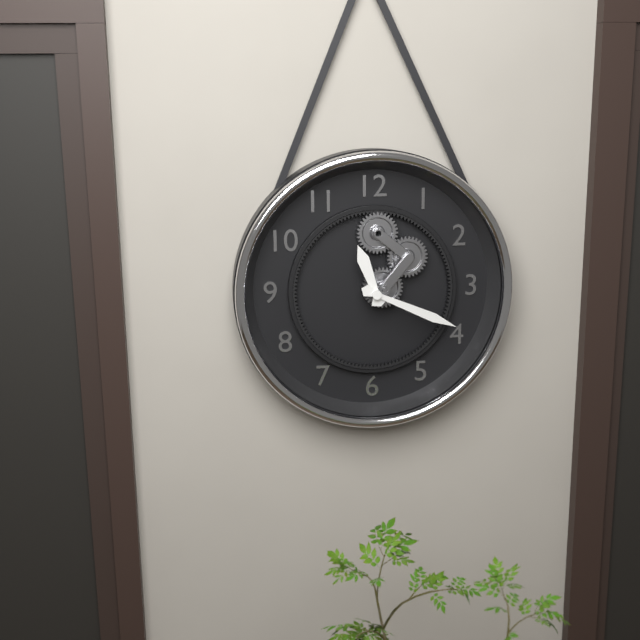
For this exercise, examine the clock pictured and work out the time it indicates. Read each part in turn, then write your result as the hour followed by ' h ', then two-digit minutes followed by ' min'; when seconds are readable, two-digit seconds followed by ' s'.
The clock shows 11 h 19 min
